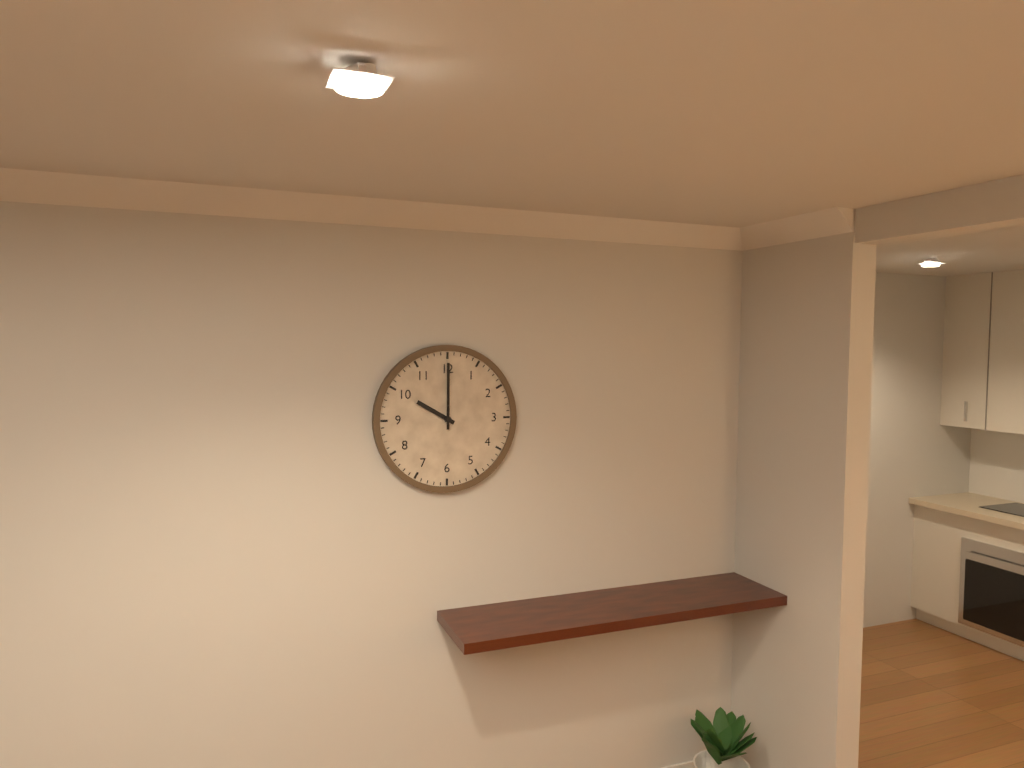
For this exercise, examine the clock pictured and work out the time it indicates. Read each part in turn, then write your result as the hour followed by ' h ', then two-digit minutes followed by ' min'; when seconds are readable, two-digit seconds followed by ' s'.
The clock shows 10 h 00 min
